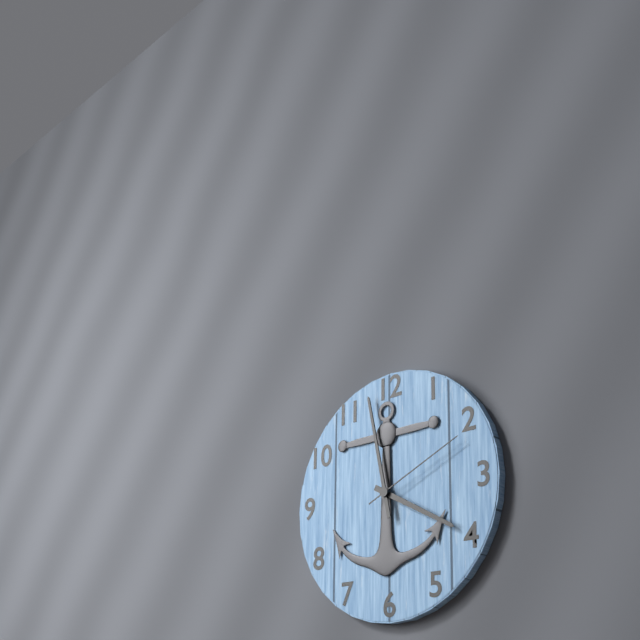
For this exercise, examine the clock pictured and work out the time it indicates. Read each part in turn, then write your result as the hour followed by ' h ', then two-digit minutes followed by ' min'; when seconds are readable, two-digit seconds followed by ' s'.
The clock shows 3 h 58 min 11 s
